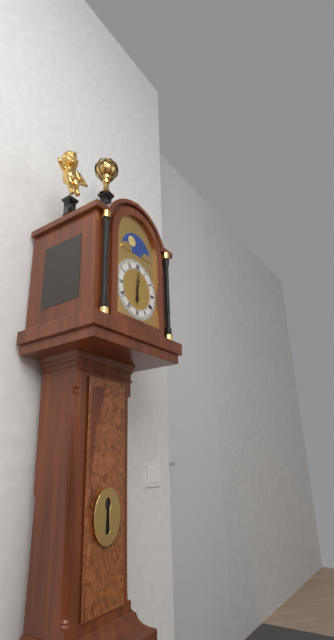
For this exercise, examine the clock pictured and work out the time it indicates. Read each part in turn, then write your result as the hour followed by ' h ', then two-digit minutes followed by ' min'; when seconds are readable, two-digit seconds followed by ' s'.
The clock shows 6 h 01 min
